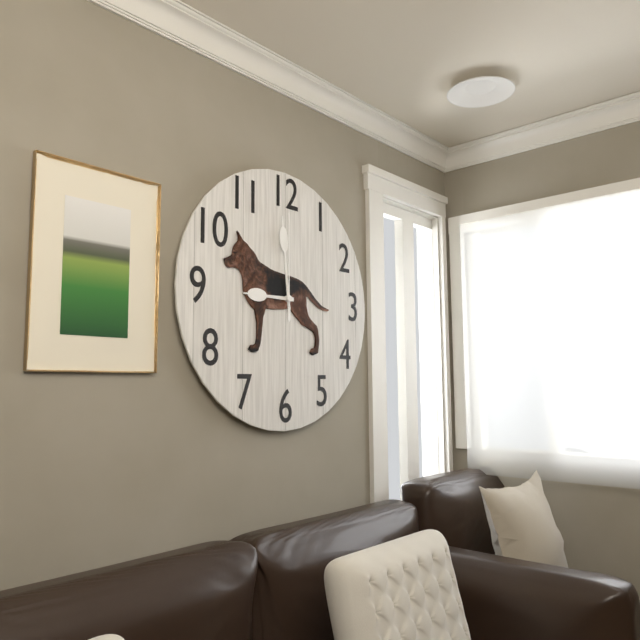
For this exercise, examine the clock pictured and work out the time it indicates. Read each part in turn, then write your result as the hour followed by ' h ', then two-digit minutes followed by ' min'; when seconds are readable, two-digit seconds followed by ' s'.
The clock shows 8 h 59 min 00 s
